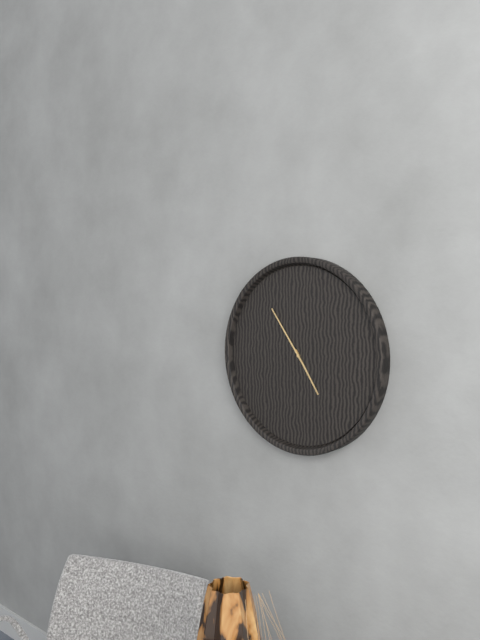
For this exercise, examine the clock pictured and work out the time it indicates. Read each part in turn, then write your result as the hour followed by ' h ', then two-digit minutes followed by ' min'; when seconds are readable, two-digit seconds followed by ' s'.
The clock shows 4 h 54 min
